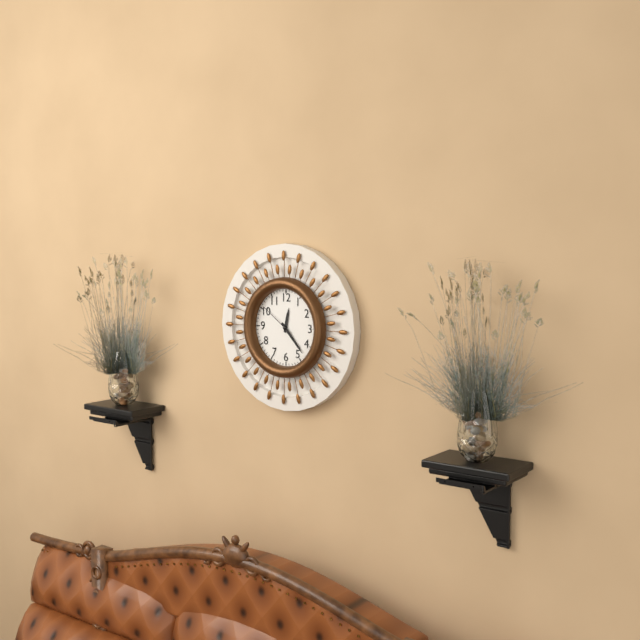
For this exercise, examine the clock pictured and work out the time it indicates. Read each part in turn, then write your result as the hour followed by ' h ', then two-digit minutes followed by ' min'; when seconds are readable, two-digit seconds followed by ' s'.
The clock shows 12 h 23 min
